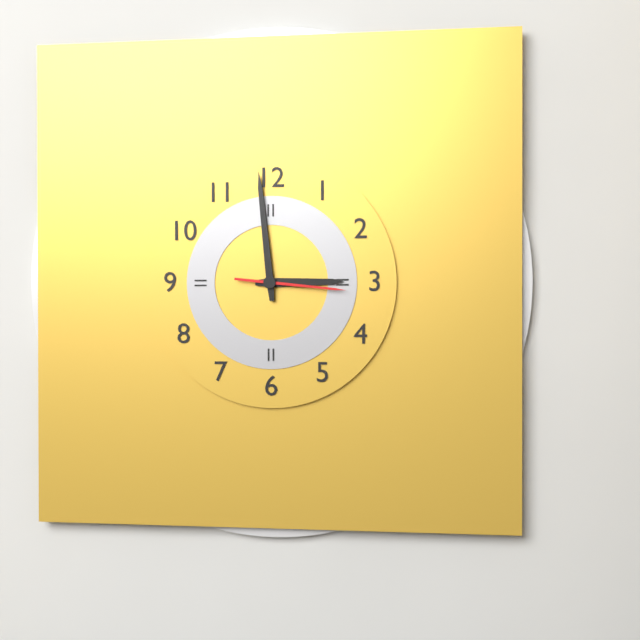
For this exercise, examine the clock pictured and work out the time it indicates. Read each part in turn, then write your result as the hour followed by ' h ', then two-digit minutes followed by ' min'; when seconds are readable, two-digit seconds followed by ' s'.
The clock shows 2 h 59 min 16 s
